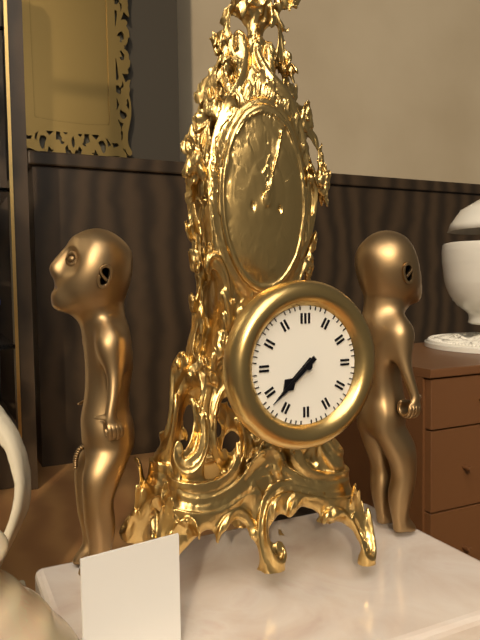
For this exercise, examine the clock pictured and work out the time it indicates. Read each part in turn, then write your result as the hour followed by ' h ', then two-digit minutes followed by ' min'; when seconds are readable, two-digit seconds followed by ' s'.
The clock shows 7 h 38 min
